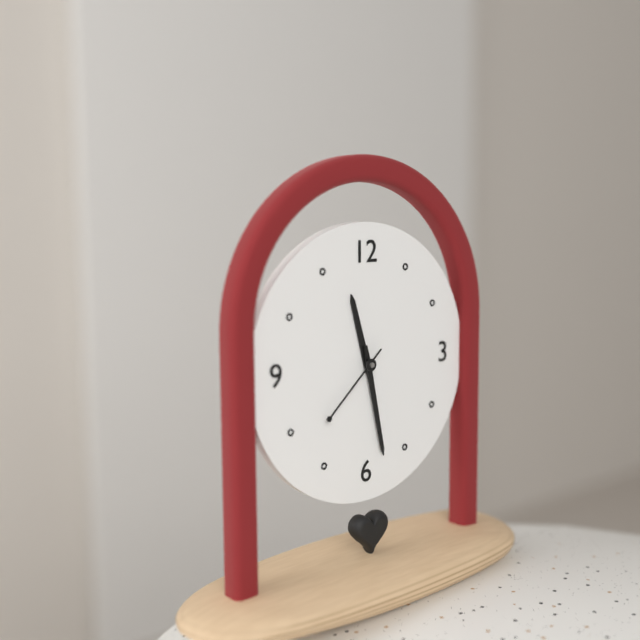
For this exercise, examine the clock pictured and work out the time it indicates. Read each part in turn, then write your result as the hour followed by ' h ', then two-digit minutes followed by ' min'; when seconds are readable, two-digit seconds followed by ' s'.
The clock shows 11 h 28 min 38 s
